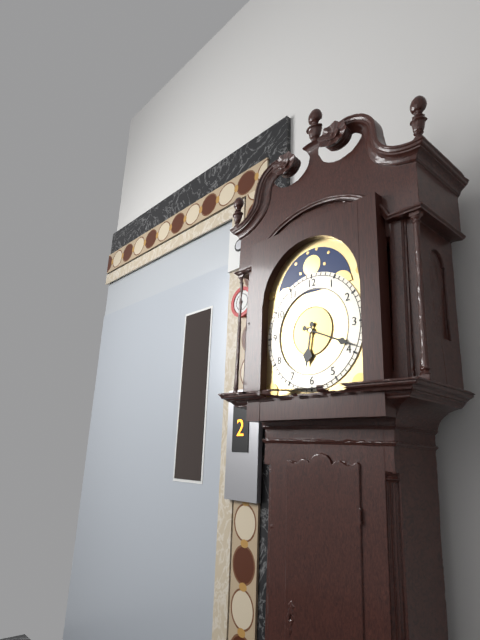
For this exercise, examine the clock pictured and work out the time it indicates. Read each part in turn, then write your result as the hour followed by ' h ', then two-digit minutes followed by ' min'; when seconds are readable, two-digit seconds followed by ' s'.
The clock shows 6 h 19 min
